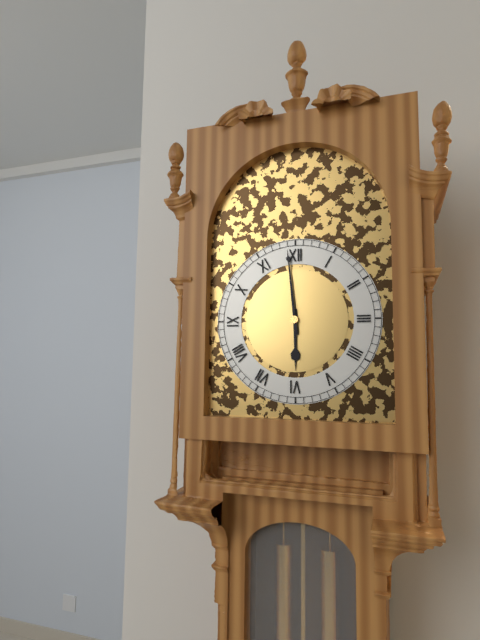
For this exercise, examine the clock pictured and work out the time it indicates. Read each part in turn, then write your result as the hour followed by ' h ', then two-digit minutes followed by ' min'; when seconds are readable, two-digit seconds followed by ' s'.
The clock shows 5 h 59 min
